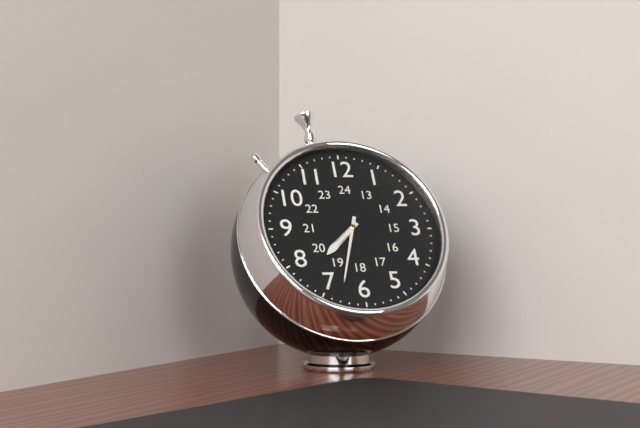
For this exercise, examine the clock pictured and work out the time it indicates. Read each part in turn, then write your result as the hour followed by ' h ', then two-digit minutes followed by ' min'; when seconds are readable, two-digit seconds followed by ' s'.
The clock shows 7 h 33 min
